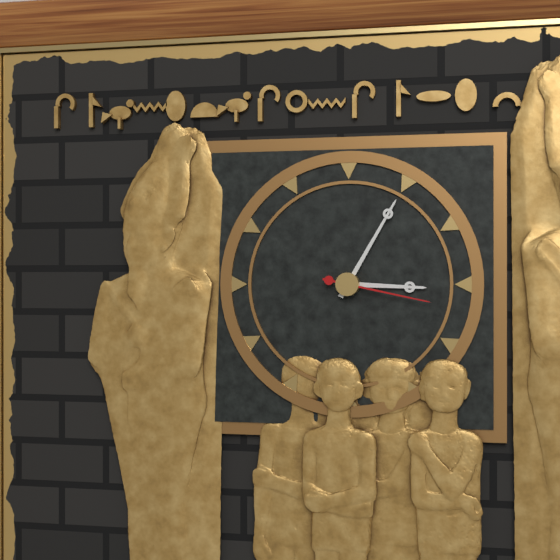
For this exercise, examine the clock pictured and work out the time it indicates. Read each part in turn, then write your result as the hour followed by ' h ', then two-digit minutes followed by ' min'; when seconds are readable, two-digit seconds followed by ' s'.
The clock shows 3 h 05 min 17 s
